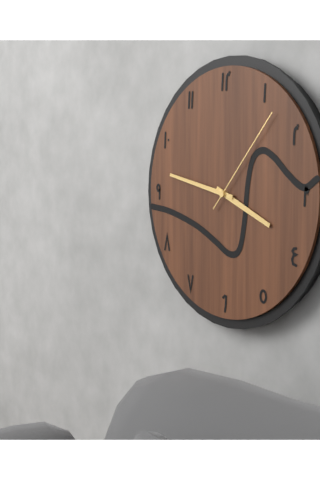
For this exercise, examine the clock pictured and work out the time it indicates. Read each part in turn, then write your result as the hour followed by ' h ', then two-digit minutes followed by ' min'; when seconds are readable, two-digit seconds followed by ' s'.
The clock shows 3 h 47 min 07 s
